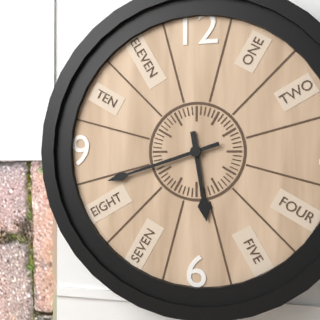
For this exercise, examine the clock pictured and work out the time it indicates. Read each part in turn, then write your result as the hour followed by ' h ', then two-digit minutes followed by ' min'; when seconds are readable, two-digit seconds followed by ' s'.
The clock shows 5 h 42 min
